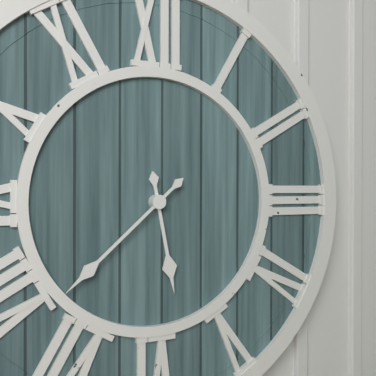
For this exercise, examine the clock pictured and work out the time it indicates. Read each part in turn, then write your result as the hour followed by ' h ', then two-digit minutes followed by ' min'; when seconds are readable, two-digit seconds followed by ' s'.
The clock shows 5 h 38 min
